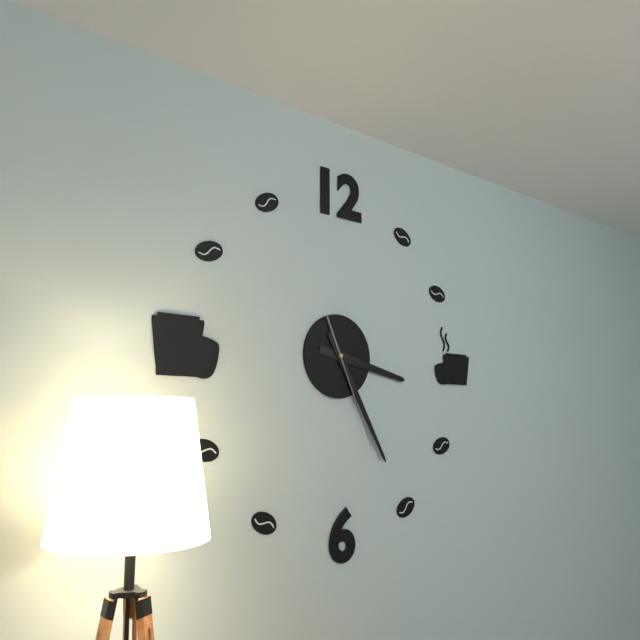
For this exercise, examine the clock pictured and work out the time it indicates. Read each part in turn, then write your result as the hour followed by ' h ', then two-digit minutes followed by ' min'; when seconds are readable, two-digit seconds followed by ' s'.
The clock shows 3 h 25 min 26 s
